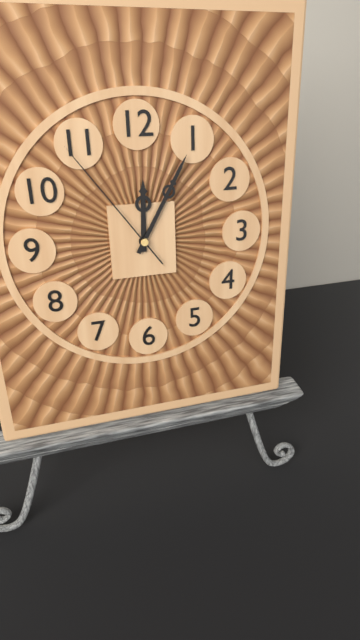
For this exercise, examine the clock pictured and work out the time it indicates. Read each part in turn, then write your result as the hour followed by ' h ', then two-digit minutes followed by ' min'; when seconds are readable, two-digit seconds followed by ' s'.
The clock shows 12 h 05 min 54 s
